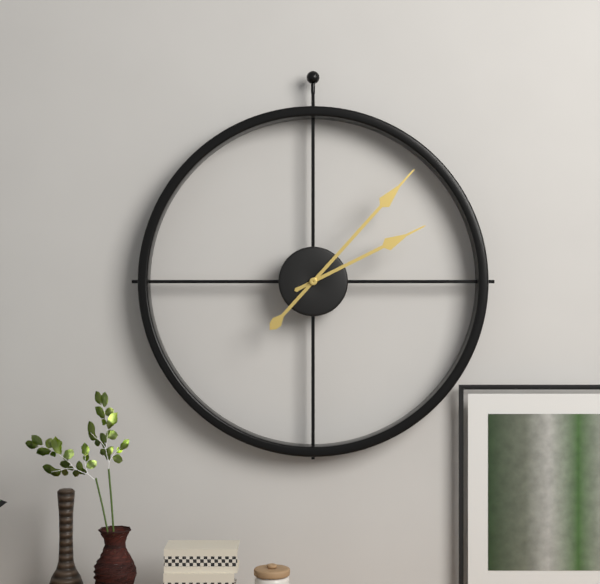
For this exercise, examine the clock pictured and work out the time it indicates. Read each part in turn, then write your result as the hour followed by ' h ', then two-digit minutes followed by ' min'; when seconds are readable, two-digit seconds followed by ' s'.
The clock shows 2 h 07 min
